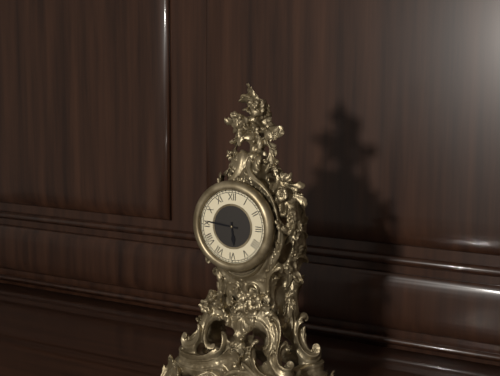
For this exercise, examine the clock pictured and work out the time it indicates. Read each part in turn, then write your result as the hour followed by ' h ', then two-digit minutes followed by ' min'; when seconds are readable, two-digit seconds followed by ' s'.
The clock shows 5 h 46 min
